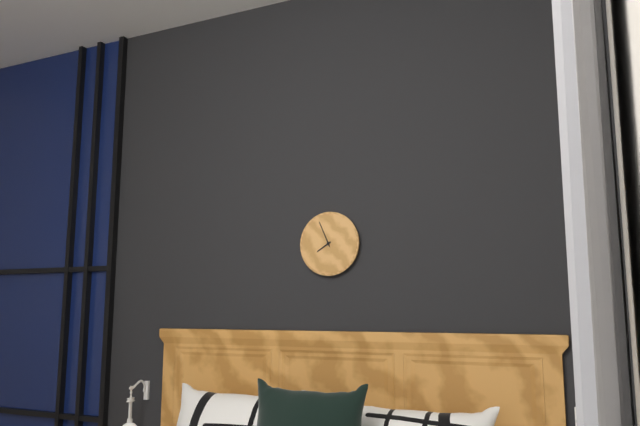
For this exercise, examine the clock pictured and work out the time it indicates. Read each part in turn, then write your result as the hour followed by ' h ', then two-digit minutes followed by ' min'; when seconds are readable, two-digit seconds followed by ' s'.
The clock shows 7 h 56 min
